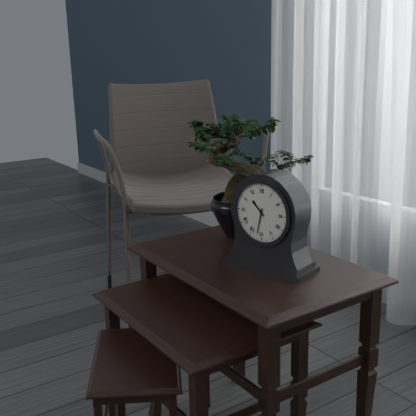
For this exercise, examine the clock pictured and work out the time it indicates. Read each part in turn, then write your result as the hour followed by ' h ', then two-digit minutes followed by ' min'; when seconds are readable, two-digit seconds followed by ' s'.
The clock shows 10 h 32 min
